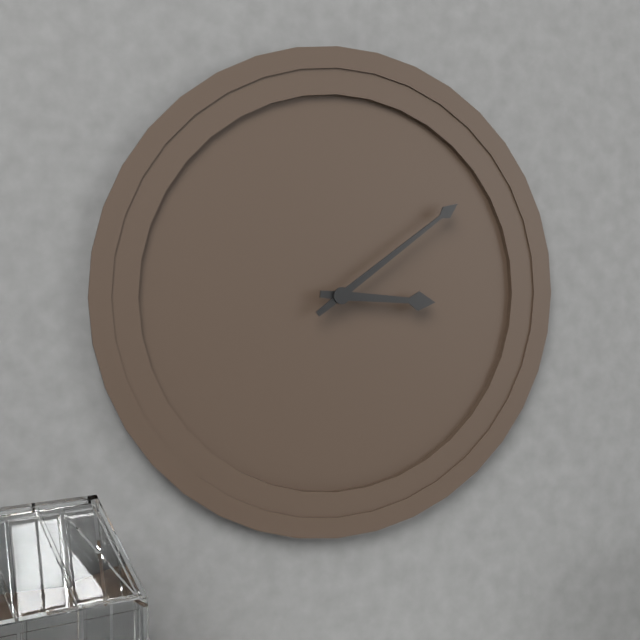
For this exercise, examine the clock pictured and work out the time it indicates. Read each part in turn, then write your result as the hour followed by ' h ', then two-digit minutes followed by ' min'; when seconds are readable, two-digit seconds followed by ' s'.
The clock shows 3 h 09 min
